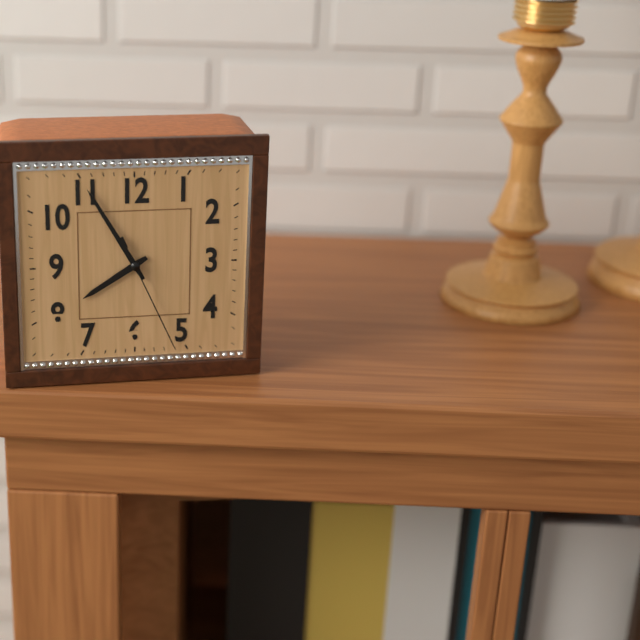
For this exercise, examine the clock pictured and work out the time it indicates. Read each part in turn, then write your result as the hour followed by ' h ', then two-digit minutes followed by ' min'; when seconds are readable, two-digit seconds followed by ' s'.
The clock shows 7 h 55 min 26 s
